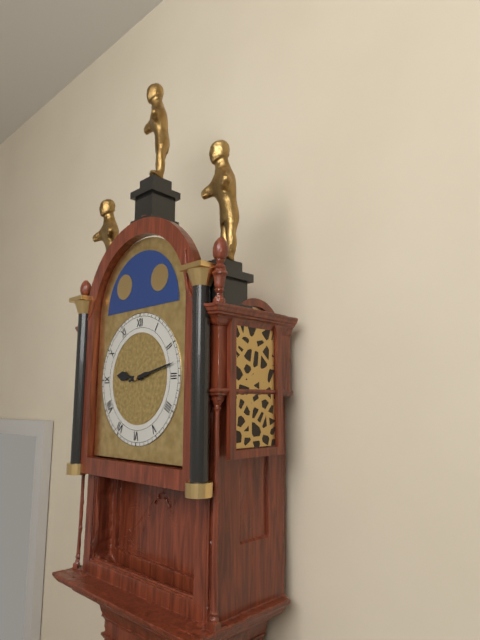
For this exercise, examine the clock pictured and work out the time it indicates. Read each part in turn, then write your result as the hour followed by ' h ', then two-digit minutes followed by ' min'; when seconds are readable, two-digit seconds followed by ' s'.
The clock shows 9 h 13 min
